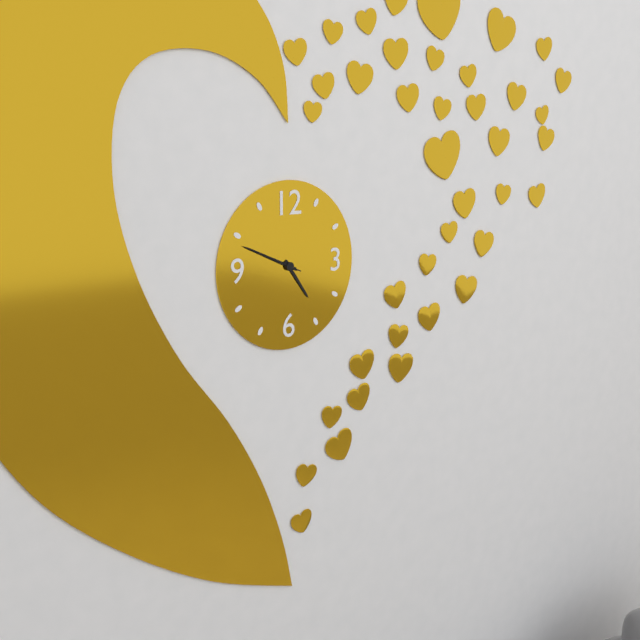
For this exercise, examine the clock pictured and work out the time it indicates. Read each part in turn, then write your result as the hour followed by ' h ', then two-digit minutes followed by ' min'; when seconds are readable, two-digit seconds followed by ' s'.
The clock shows 4 h 49 min 49 s
